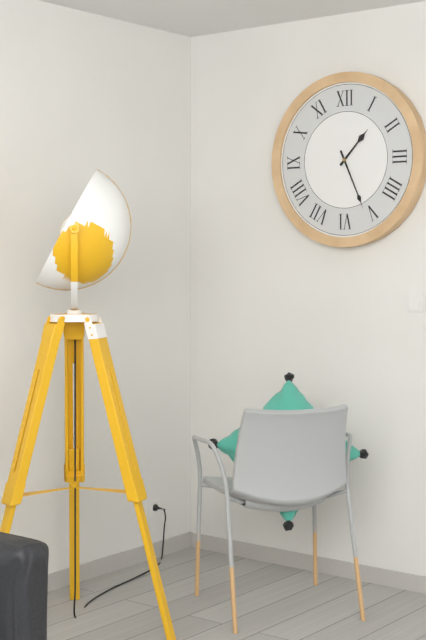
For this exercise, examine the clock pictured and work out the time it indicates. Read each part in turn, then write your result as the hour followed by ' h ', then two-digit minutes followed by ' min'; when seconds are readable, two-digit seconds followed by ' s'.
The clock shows 1 h 26 min
